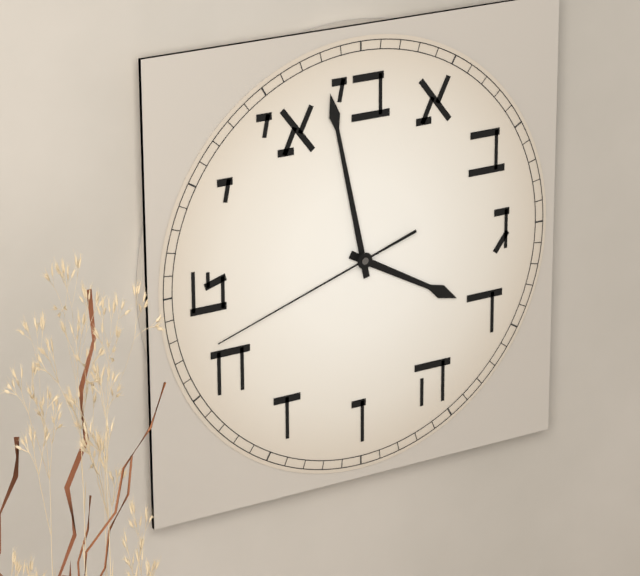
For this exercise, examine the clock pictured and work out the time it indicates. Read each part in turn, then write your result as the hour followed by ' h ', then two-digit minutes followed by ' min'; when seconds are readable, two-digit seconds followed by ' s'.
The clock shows 3 h 58 min 42 s
